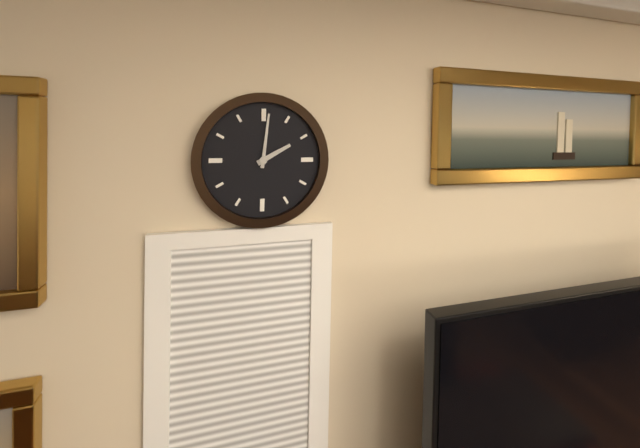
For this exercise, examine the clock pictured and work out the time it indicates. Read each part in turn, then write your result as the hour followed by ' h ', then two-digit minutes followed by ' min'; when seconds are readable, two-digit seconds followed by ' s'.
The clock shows 2 h 01 min
